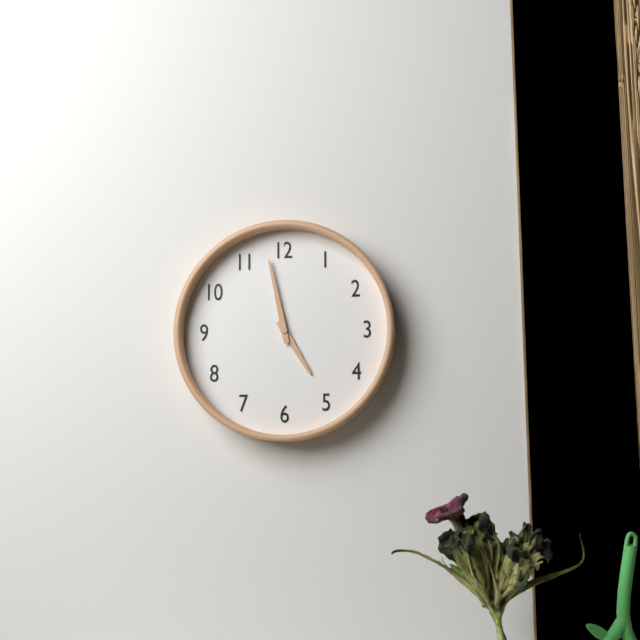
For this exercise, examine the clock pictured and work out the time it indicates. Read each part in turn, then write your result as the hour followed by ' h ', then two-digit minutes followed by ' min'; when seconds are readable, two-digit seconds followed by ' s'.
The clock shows 4 h 58 min
